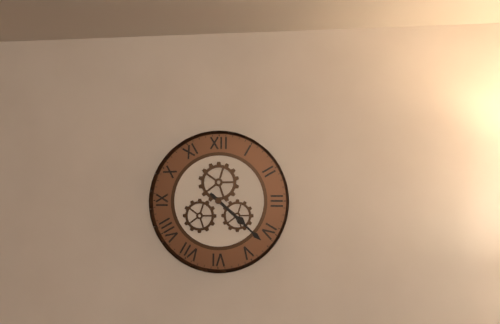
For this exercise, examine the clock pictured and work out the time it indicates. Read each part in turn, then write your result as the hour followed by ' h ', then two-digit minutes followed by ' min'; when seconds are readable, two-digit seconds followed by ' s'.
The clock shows 4 h 22 min
